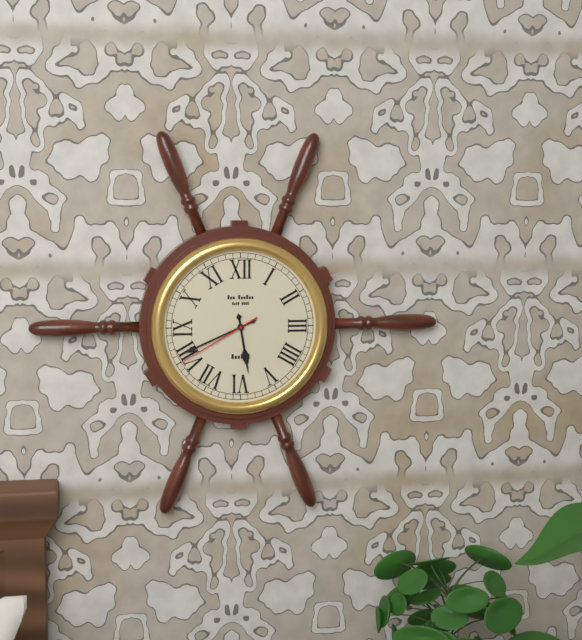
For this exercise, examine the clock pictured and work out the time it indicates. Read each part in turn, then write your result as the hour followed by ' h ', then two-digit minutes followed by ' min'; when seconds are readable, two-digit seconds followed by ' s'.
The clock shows 5 h 41 min 40 s
